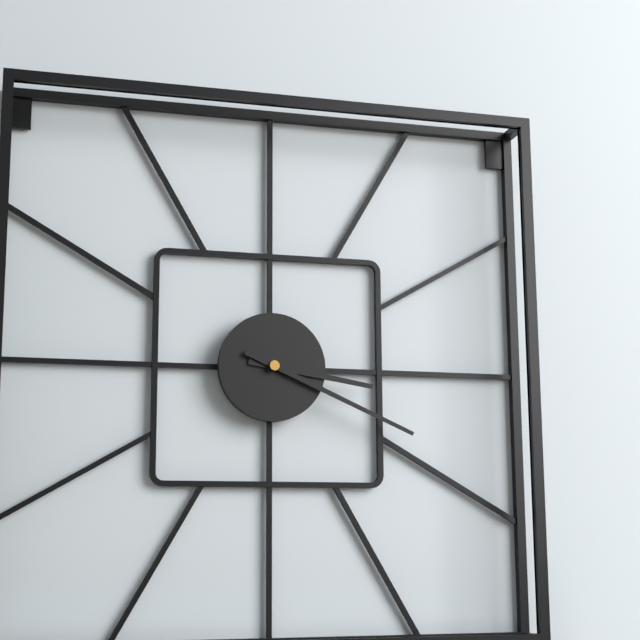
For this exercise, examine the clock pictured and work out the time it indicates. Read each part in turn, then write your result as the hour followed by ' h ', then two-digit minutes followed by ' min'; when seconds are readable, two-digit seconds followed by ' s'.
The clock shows 3 h 19 min
